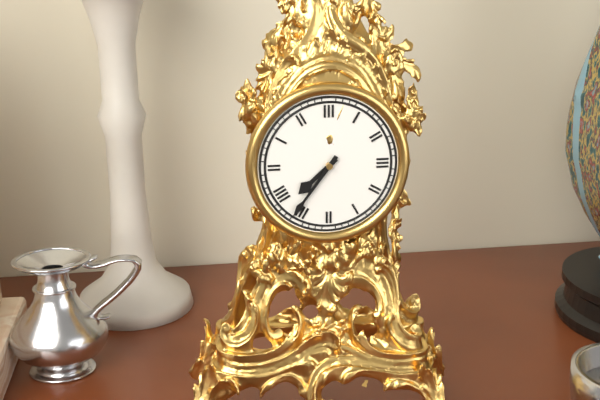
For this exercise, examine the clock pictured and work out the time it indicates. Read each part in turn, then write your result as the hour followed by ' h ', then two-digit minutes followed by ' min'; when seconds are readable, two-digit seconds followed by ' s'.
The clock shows 7 h 36 min
